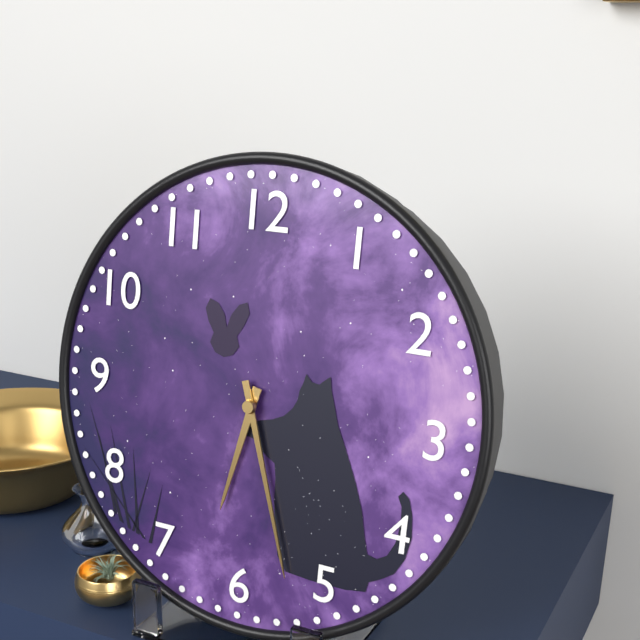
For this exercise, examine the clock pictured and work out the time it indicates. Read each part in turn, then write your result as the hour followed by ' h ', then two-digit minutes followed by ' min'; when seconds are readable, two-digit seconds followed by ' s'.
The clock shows 6 h 27 min
